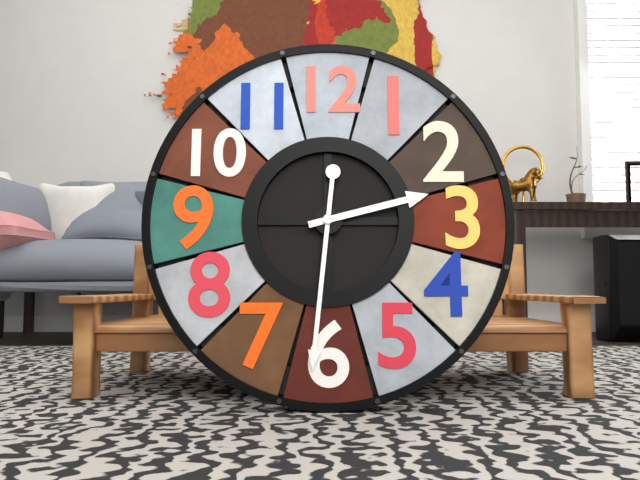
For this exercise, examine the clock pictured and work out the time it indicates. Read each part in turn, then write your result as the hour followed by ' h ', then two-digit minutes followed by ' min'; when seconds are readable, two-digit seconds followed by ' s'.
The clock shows 2 h 31 min
